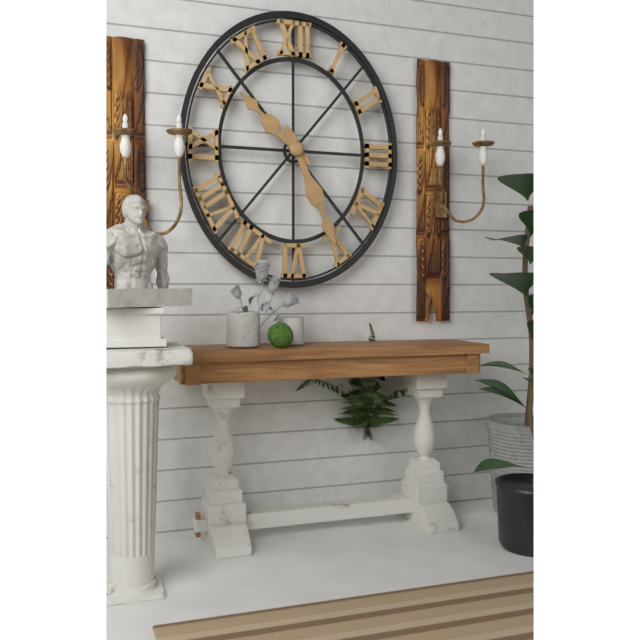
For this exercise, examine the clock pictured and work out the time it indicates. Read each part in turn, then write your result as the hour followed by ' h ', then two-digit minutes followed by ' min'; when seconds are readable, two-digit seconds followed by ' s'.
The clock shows 10 h 26 min
